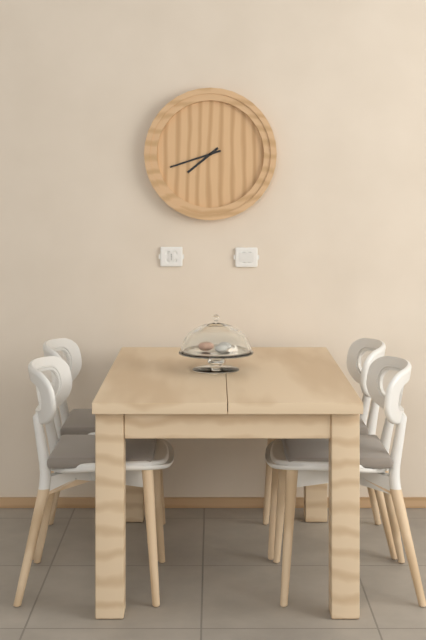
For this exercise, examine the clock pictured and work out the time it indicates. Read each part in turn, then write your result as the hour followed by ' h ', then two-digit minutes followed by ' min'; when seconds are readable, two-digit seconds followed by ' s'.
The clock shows 7 h 42 min
